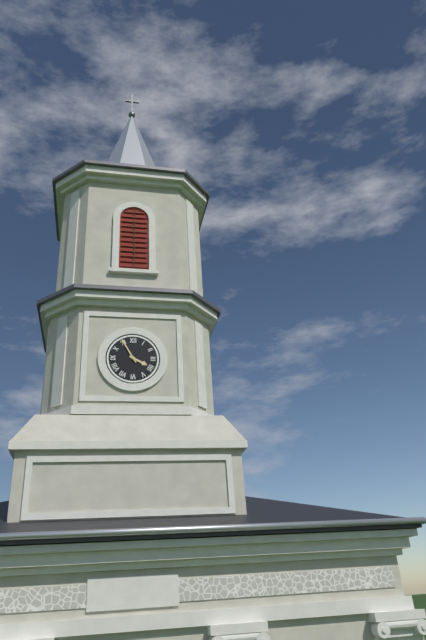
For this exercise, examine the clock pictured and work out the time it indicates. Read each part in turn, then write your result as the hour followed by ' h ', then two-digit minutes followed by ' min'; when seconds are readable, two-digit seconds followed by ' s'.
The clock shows 3 h 55 min
